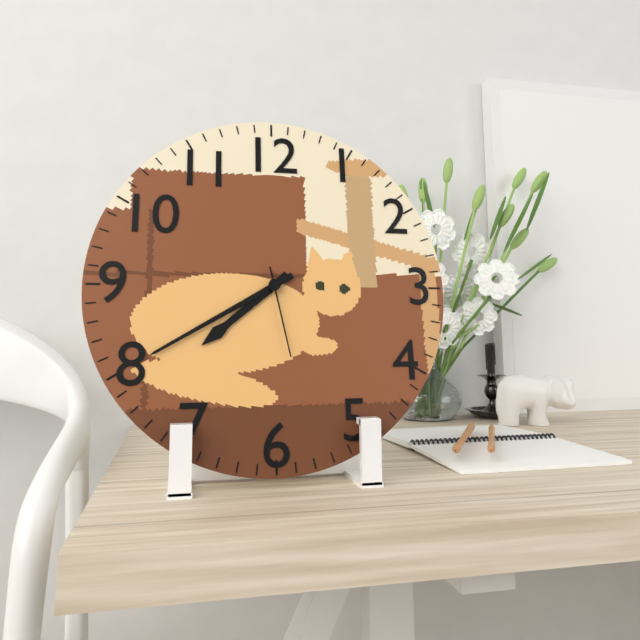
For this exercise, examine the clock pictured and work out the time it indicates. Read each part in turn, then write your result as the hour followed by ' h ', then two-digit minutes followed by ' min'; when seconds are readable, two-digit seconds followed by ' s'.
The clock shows 7 h 40 min 28 s
